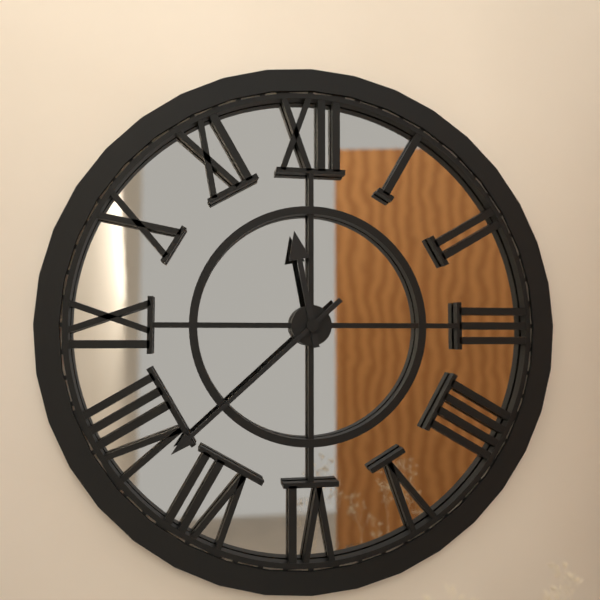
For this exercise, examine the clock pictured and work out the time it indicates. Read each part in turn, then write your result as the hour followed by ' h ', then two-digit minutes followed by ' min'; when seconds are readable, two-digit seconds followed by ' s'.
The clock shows 11 h 38 min
